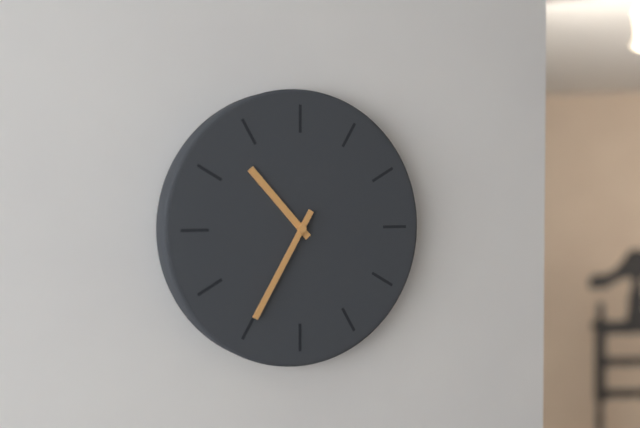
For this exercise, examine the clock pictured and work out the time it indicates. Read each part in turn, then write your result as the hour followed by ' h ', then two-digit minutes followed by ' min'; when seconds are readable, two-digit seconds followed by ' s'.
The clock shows 10 h 35 min
